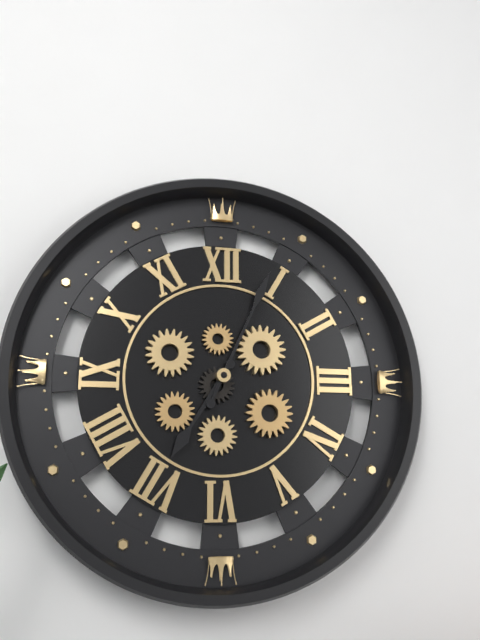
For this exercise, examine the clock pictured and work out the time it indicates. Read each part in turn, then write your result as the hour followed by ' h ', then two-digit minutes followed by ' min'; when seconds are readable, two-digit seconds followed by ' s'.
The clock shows 7 h 04 min
